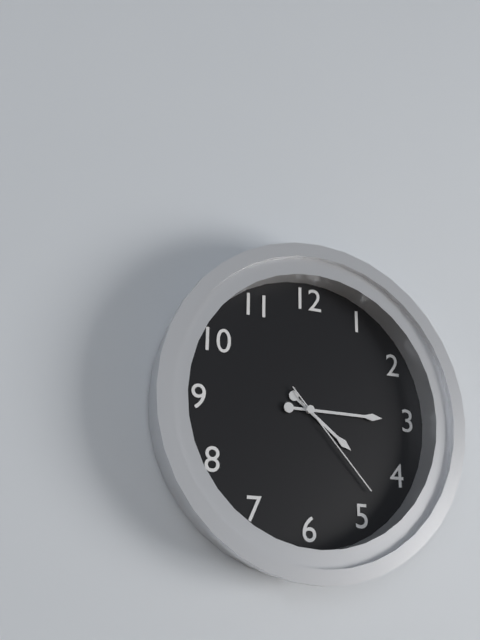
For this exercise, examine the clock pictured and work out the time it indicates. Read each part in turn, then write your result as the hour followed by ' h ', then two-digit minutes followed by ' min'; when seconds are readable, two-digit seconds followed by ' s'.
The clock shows 4 h 15 min 23 s
